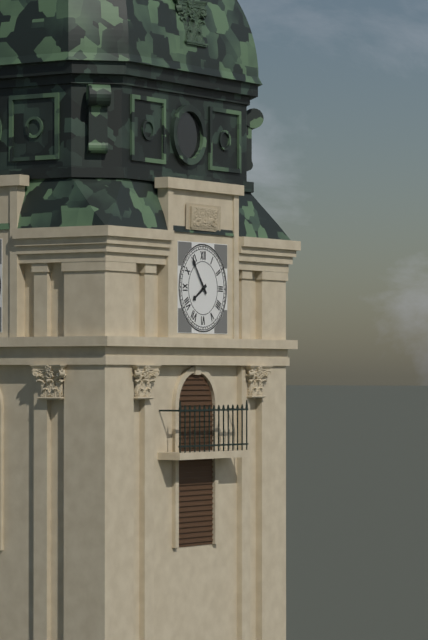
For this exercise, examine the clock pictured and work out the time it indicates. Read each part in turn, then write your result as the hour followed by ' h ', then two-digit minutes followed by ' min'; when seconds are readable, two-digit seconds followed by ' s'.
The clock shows 7 h 54 min
